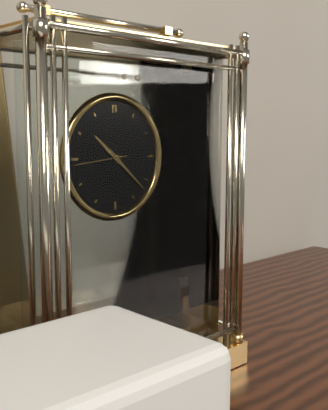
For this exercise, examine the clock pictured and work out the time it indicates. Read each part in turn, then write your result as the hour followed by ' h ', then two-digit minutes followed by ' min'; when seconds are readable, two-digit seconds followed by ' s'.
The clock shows 10 h 22 min 44 s
